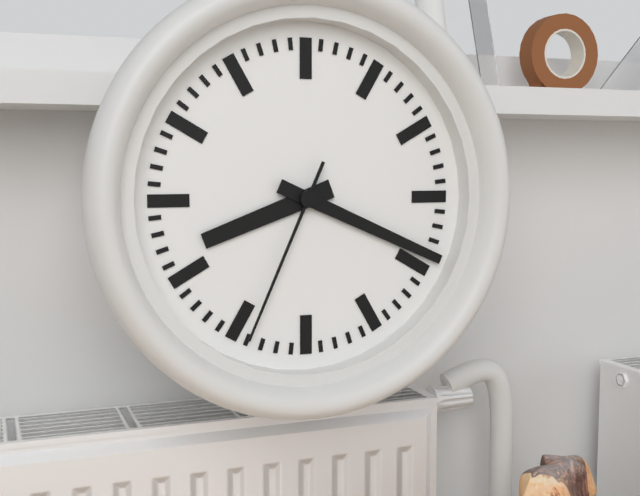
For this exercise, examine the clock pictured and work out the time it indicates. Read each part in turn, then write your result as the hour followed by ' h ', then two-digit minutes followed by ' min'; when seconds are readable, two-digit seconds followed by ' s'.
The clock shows 8 h 19 min 34 s
